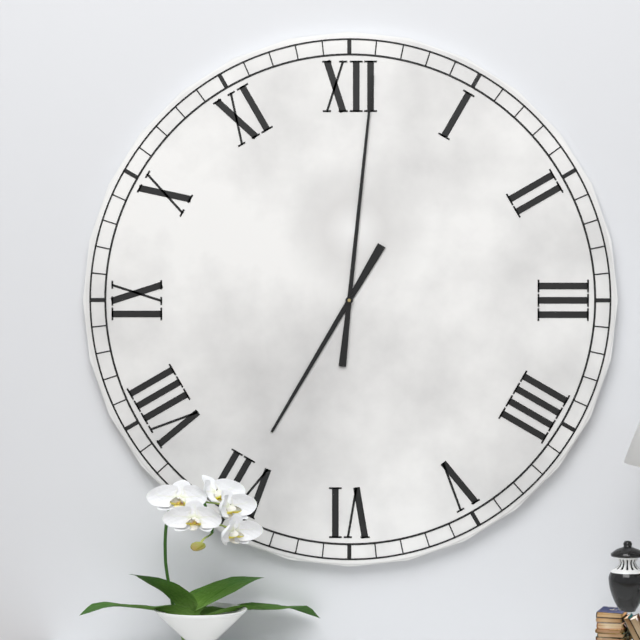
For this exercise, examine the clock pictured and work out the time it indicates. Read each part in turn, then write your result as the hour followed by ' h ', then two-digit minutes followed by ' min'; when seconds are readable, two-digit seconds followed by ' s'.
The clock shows 7 h 01 min
